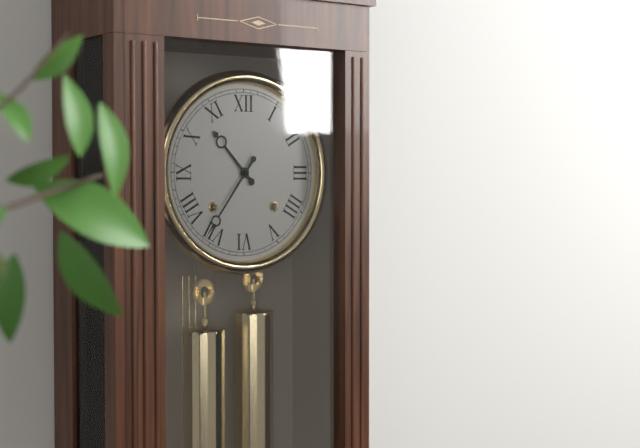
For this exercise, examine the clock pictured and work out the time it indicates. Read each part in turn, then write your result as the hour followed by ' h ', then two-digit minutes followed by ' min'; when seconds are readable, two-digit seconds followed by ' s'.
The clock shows 10 h 36 min
